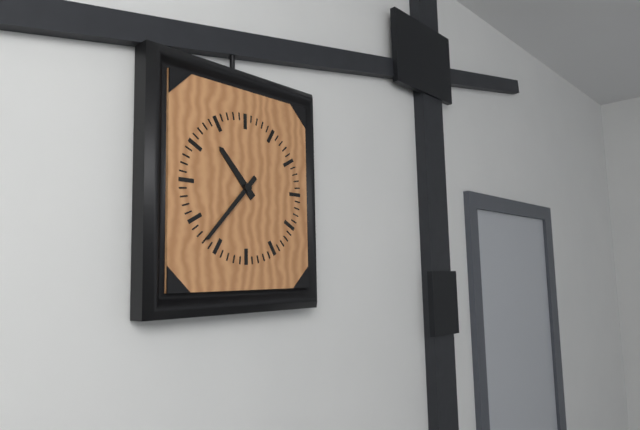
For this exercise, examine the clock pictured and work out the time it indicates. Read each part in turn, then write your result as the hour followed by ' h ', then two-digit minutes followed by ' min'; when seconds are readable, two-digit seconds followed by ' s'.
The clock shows 10 h 37 min
